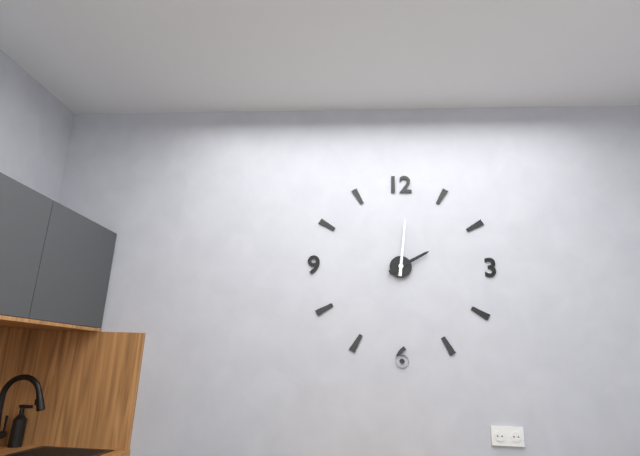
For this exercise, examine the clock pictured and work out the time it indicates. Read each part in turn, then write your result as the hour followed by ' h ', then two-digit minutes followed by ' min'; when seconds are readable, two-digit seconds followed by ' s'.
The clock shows 2 h 01 min
